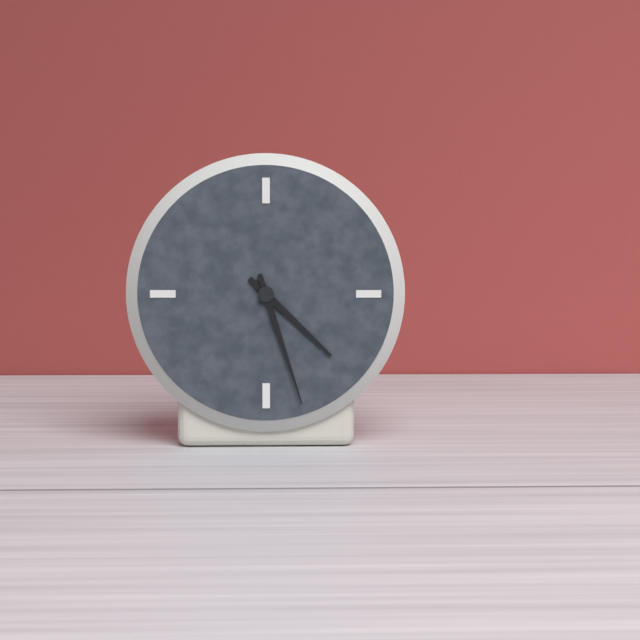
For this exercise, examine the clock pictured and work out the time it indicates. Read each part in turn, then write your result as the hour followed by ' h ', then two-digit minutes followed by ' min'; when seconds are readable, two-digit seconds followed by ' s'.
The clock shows 4 h 27 min
